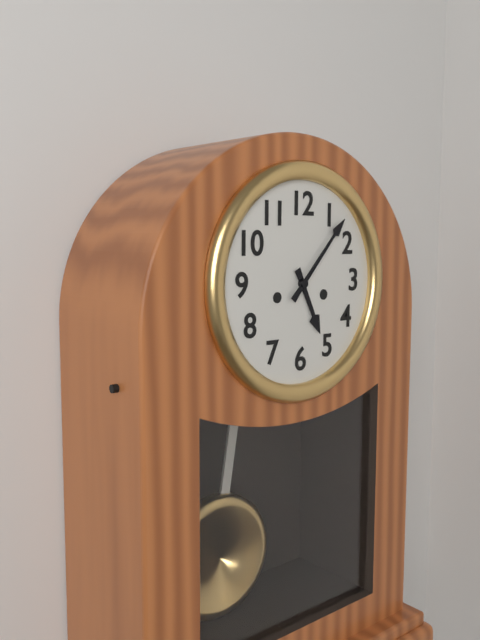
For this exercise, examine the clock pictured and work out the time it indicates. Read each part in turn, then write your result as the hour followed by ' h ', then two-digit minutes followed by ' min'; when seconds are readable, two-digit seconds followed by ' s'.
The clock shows 5 h 07 min
